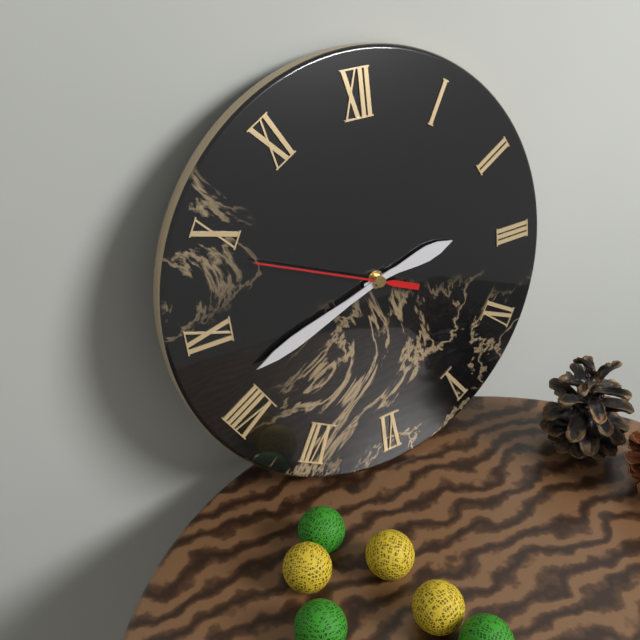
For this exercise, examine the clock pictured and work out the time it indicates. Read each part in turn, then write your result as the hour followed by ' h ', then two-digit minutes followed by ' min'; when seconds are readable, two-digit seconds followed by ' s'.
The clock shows 2 h 42 min 49 s
